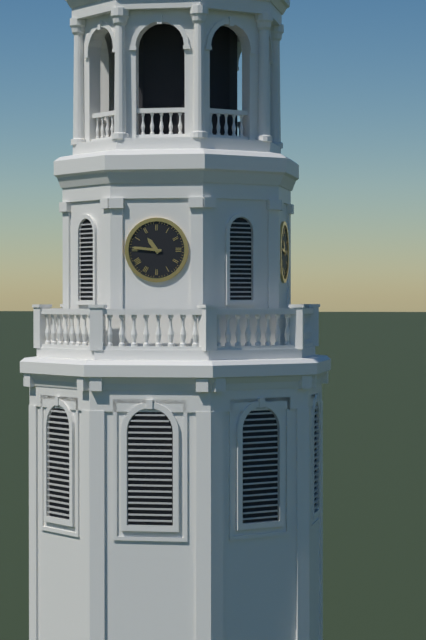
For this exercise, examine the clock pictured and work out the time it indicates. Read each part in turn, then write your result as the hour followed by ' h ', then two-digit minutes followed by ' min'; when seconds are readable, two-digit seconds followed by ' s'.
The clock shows 10 h 46 min
